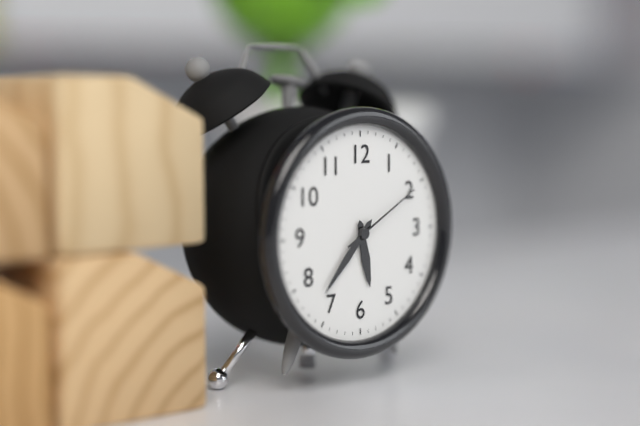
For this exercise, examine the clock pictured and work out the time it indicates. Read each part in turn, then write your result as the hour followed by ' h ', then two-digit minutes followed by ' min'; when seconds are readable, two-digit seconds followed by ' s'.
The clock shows 5 h 37 min 10 s
